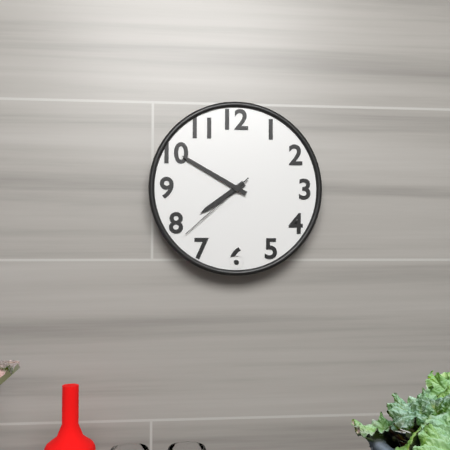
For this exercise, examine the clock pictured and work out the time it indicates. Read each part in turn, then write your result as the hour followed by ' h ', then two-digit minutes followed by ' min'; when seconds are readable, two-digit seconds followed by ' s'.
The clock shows 7 h 50 min 38 s
